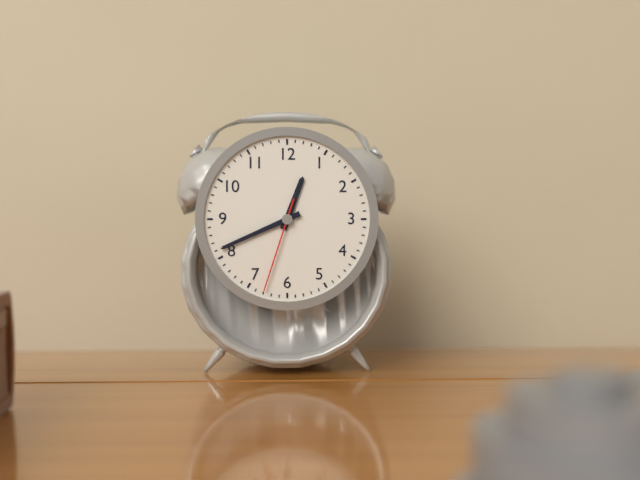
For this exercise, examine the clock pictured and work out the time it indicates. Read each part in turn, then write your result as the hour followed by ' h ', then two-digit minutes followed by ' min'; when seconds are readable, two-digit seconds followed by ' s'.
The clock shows 12 h 41 min 33 s
